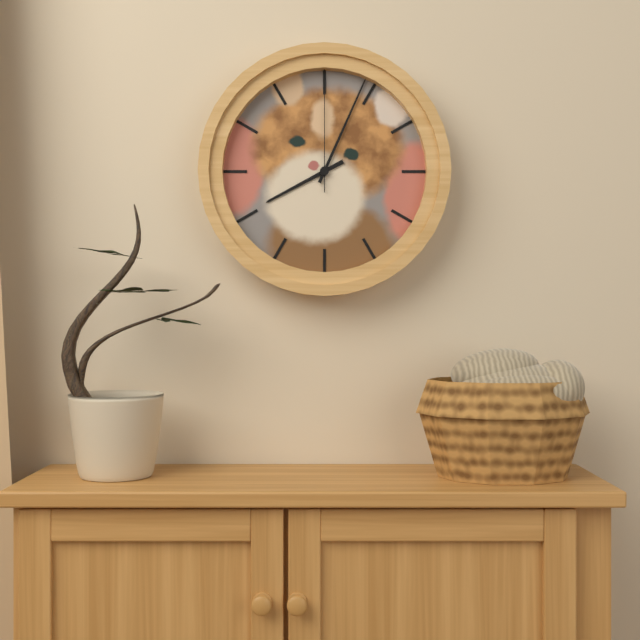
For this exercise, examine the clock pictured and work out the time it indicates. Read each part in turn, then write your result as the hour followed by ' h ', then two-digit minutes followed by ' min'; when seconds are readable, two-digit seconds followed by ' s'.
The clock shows 8 h 04 min 00 s
